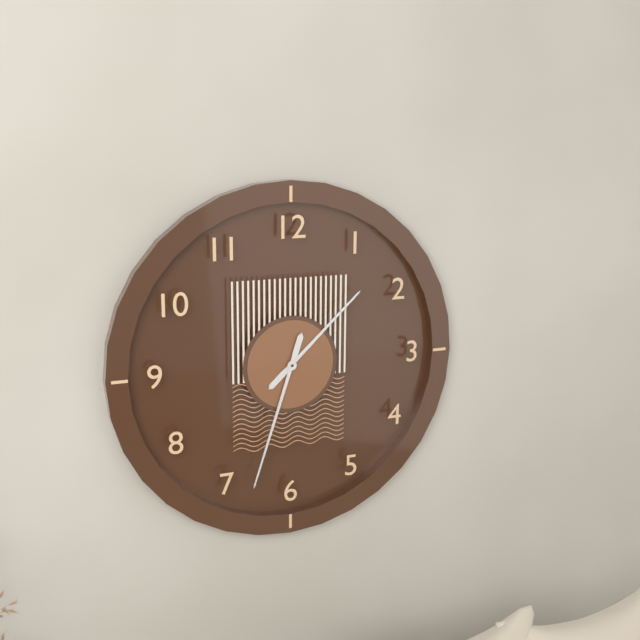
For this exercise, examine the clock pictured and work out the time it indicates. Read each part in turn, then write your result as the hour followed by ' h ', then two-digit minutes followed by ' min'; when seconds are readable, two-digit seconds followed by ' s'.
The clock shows 1 h 33 min
